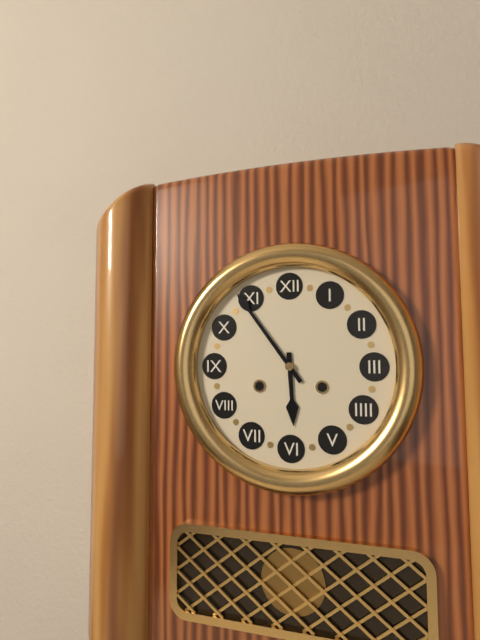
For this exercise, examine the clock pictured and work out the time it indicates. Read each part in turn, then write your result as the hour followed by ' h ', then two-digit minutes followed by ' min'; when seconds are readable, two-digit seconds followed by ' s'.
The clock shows 5 h 54 min
